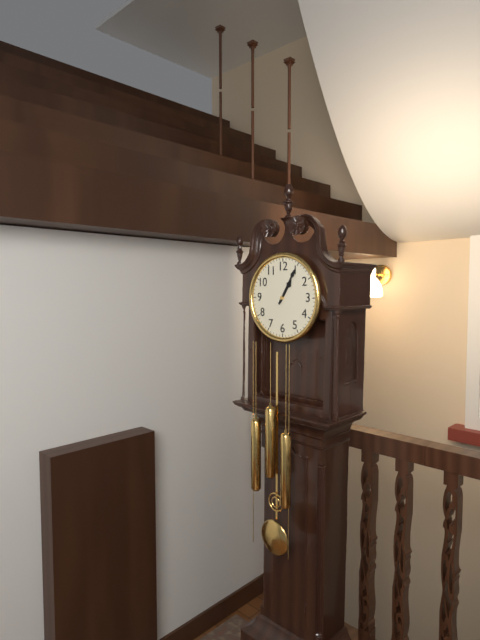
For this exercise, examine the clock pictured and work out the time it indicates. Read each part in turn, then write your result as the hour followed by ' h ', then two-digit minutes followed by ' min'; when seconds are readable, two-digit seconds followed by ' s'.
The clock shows 1 h 05 min
